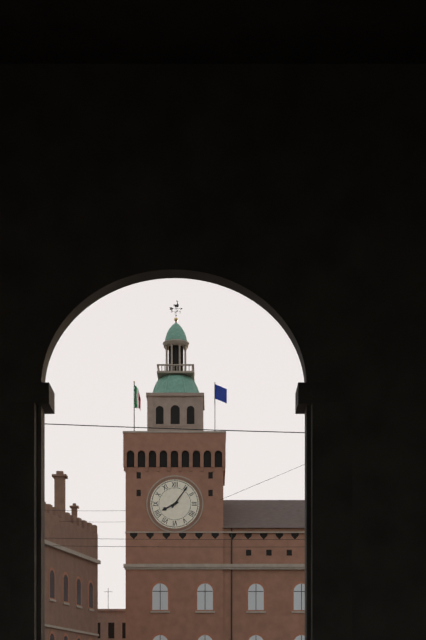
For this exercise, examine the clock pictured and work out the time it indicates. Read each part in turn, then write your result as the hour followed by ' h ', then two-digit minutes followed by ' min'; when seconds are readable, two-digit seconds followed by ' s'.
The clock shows 8 h 06 min
